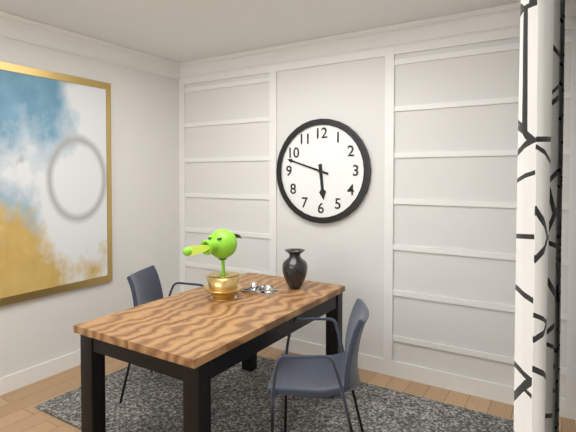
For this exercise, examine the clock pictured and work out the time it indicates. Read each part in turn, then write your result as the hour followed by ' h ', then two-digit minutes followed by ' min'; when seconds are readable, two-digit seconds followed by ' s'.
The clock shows 5 h 48 min
